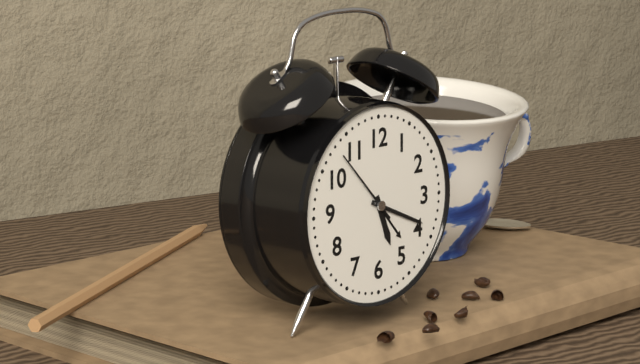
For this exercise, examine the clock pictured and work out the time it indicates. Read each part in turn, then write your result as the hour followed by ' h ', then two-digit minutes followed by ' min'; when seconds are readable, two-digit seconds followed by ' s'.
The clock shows 5 h 19 min 53 s
